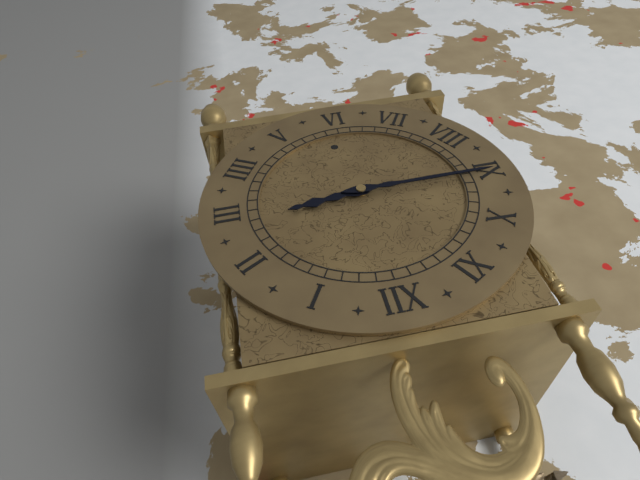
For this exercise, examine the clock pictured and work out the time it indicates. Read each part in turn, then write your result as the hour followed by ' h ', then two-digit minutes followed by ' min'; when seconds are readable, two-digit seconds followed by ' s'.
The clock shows 2 h 45 min
